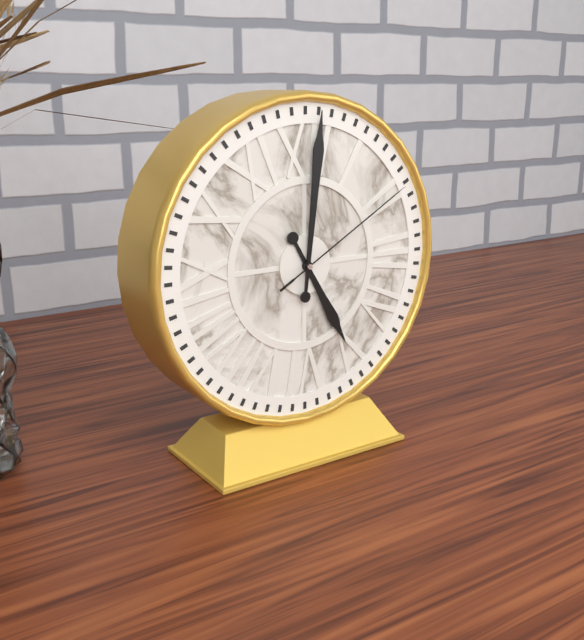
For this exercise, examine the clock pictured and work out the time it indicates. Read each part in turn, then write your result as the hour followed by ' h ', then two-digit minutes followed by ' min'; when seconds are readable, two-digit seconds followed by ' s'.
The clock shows 5 h 01 min 10 s
